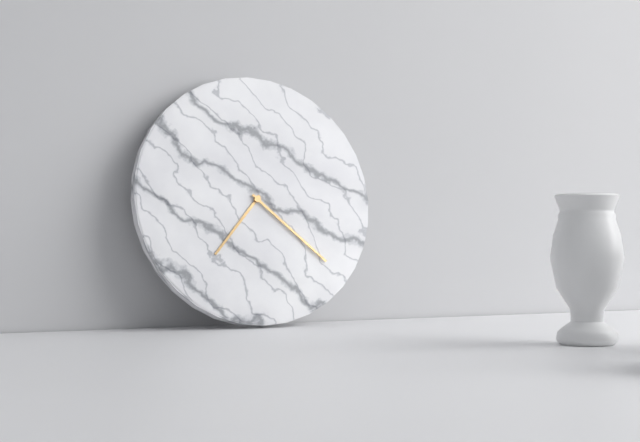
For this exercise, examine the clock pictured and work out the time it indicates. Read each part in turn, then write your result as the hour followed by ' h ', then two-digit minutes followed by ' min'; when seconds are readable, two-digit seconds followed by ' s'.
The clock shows 7 h 22 min
